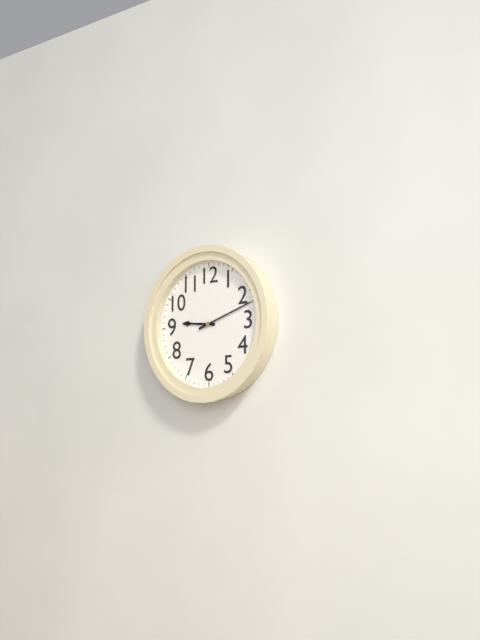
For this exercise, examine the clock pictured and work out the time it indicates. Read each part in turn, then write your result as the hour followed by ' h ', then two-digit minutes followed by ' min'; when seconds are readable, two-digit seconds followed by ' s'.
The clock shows 9 h 12 min
